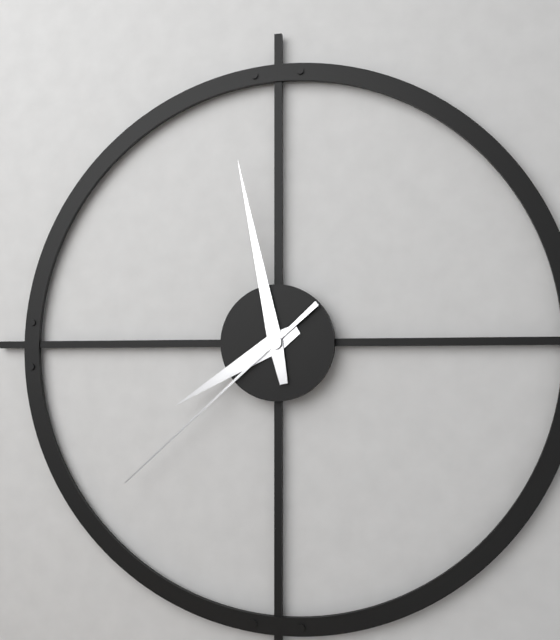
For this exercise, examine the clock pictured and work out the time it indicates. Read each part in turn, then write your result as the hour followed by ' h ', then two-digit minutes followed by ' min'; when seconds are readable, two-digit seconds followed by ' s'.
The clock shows 7 h 58 min 38 s
